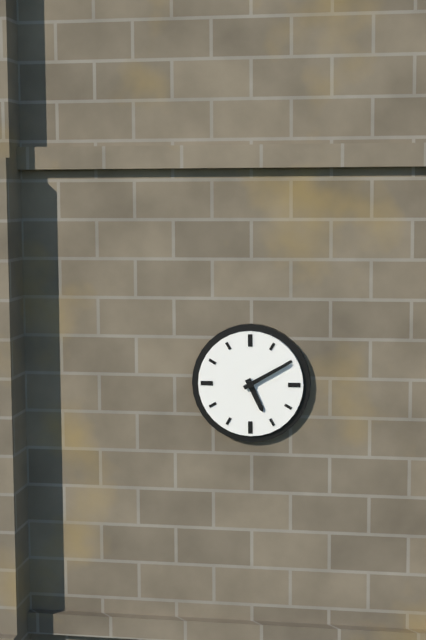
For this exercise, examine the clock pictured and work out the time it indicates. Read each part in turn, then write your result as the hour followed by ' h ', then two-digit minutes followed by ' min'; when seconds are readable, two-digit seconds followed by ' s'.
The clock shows 5 h 10 min
